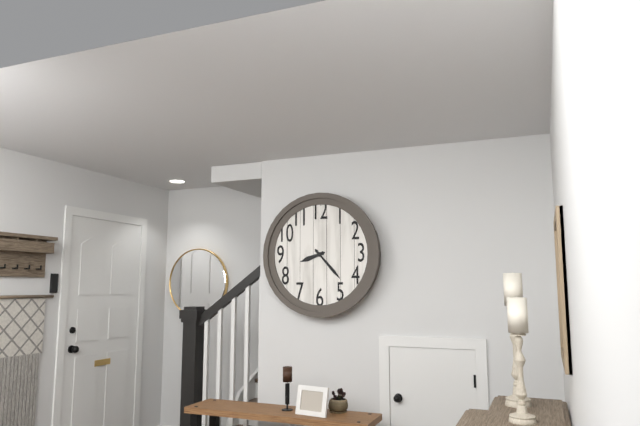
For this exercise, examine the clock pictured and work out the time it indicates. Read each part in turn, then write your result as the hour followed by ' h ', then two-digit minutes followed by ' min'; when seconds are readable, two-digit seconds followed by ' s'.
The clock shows 8 h 23 min
